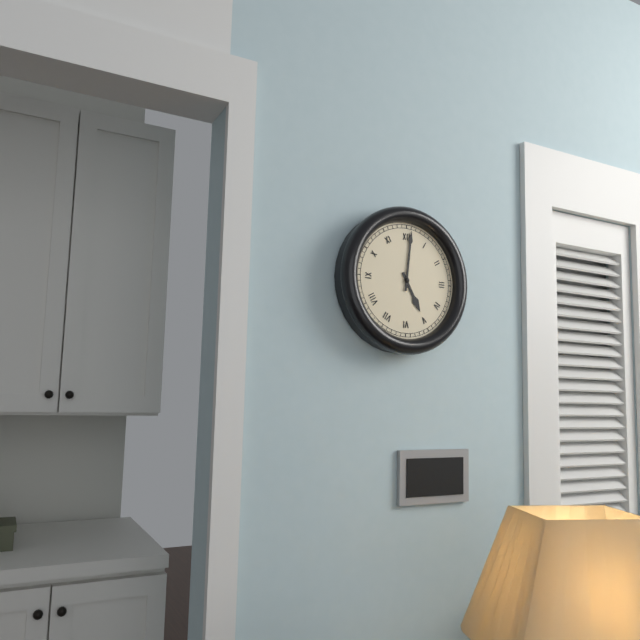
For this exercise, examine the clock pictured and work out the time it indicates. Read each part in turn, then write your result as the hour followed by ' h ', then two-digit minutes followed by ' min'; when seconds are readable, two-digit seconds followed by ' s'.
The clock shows 5 h 01 min
